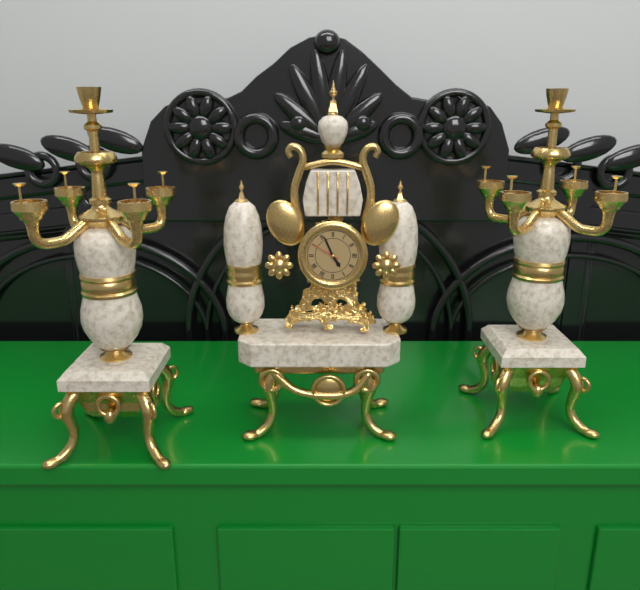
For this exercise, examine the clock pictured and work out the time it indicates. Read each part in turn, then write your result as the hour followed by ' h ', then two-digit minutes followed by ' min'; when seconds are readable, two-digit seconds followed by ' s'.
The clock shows 4 h 56 min
